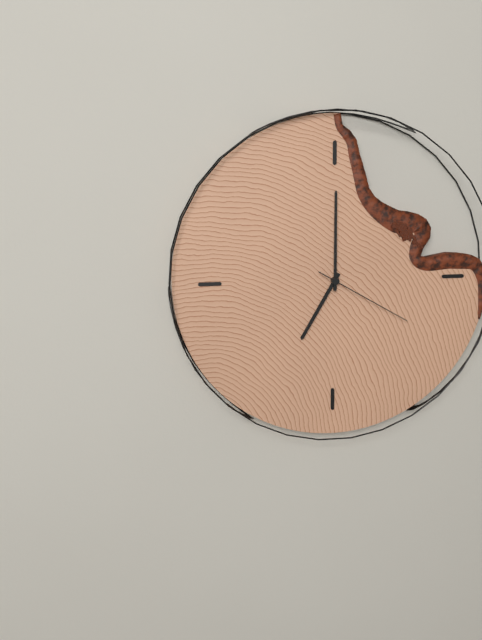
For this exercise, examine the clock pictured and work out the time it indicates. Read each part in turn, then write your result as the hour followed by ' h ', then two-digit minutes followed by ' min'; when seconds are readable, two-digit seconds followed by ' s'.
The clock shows 7 h 00 min 20 s
